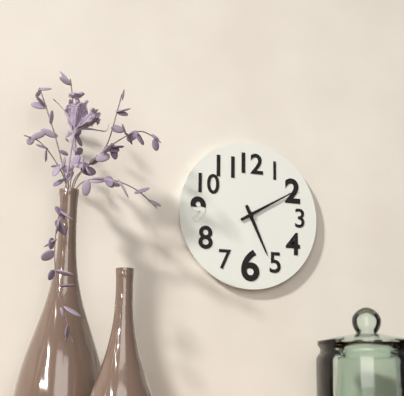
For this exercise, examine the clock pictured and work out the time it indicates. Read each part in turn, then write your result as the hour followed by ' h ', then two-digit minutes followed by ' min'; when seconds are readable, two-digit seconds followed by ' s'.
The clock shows 5 h 10 min
